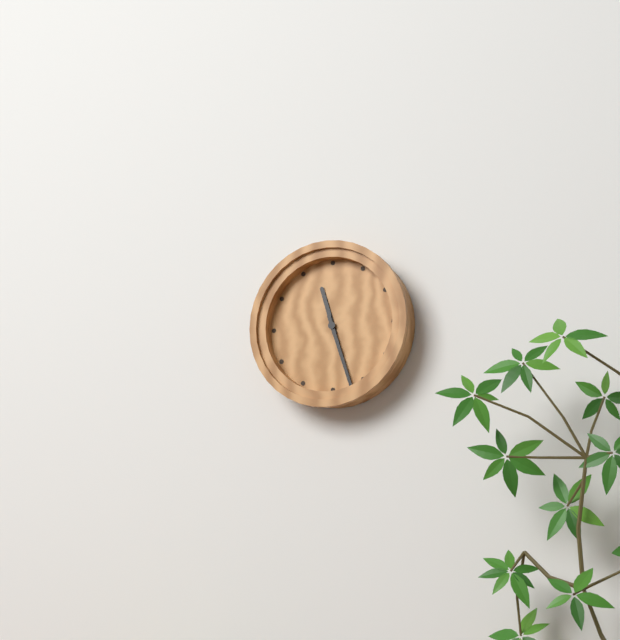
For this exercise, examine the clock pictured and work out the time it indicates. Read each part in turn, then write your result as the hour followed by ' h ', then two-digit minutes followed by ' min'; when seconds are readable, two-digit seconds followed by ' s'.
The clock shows 11 h 27 min
